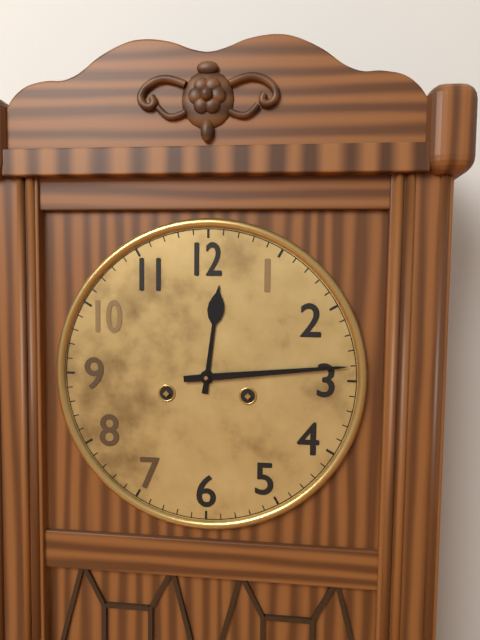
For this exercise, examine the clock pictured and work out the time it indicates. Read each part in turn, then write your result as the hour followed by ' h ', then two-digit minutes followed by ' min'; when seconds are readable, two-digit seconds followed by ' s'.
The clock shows 12 h 14 min
